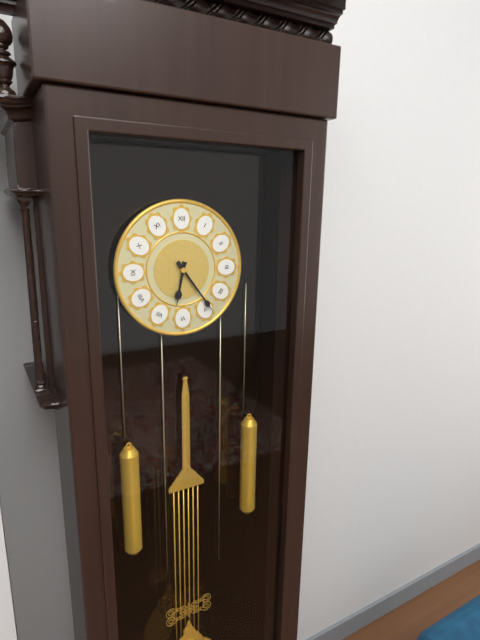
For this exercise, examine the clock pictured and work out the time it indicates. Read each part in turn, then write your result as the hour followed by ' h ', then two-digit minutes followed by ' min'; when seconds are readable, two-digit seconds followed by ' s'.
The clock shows 6 h 24 min
